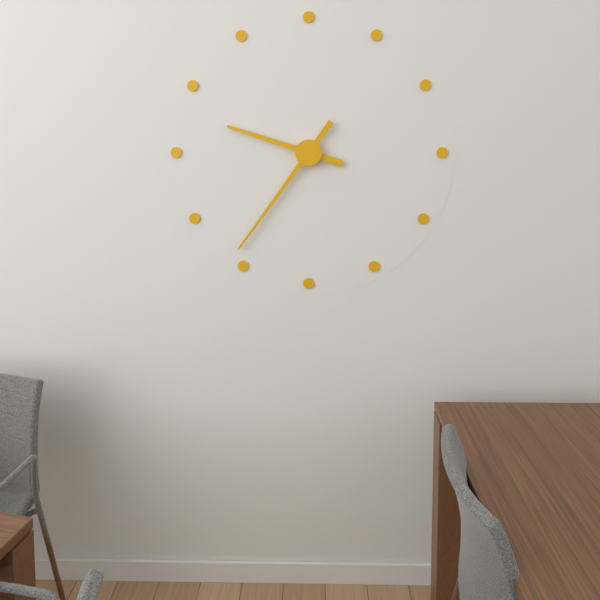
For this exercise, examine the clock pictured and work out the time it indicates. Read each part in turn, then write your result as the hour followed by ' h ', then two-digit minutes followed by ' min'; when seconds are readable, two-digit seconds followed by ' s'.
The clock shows 9 h 36 min
